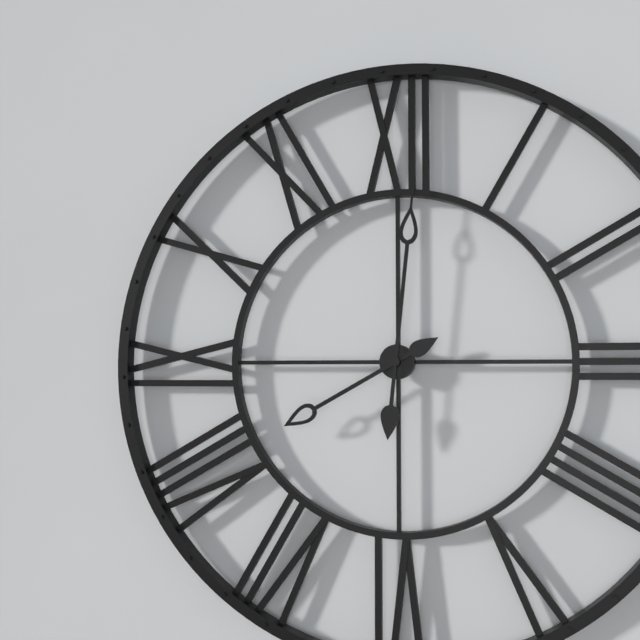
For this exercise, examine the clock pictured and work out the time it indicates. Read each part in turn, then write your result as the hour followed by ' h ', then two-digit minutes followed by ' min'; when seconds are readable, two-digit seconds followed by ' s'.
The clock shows 8 h 01 min
